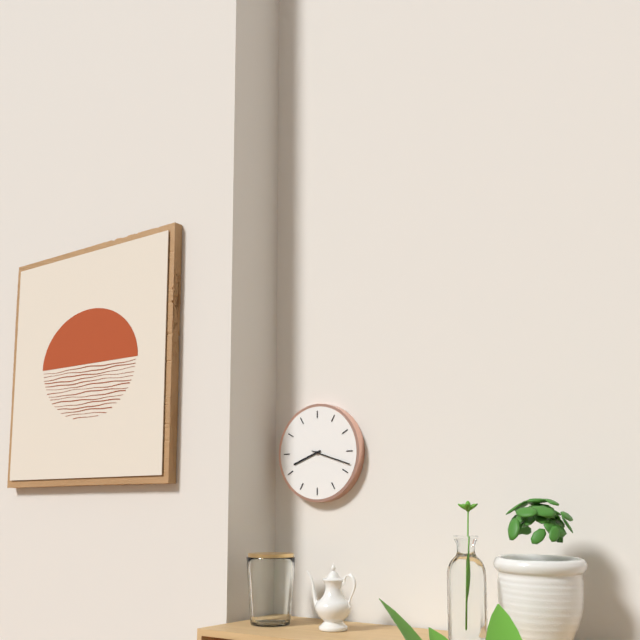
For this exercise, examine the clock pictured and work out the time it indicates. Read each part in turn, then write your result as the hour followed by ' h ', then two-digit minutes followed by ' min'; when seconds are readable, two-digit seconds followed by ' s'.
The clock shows 8 h 18 min
